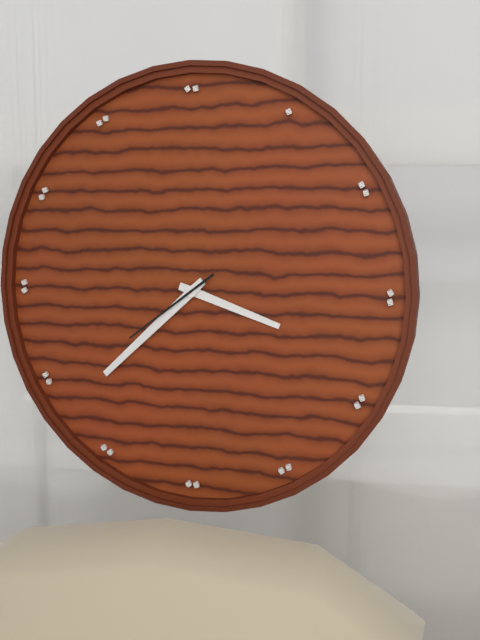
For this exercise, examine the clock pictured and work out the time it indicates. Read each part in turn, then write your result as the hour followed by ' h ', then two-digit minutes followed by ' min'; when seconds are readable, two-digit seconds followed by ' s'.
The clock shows 3 h 38 min 39 s
